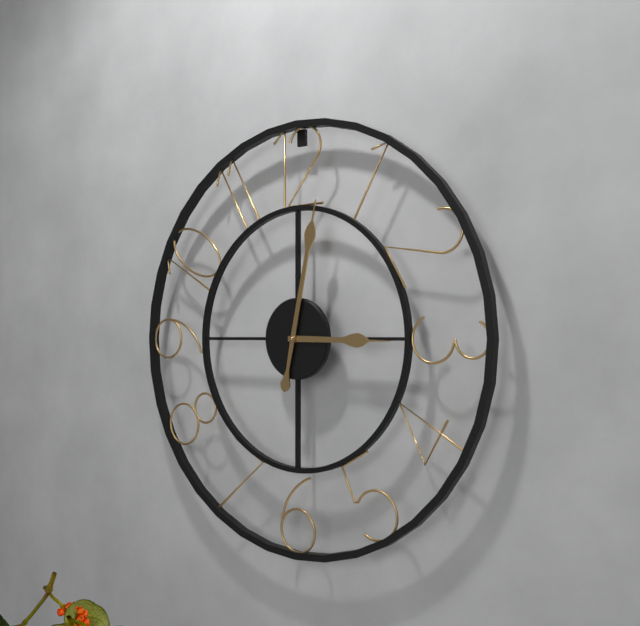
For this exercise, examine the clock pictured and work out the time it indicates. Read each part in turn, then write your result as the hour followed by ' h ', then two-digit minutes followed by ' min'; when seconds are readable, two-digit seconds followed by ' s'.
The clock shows 3 h 02 min
